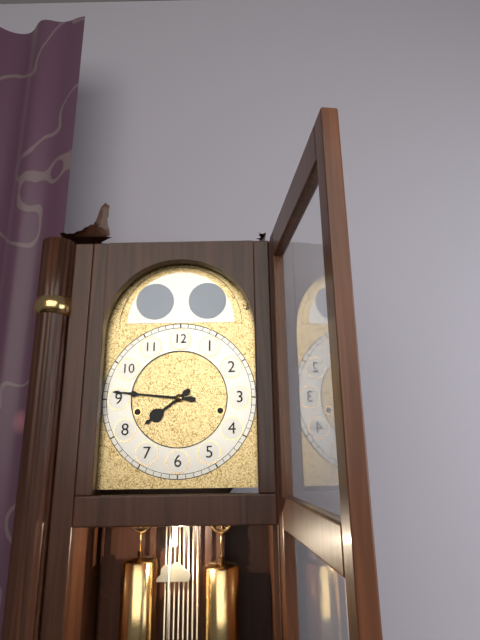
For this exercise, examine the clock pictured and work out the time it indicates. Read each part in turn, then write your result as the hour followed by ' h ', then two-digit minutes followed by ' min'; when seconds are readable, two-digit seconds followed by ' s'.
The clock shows 7 h 46 min
